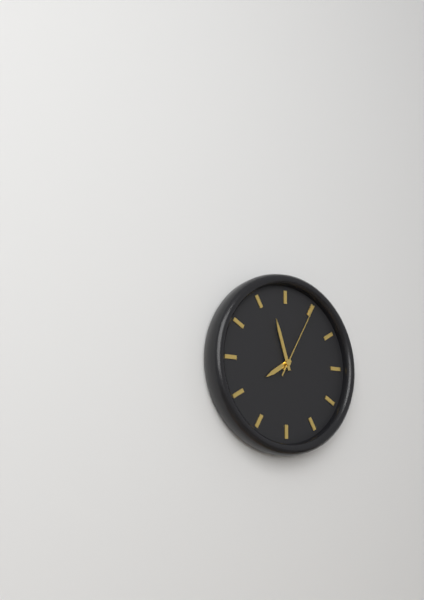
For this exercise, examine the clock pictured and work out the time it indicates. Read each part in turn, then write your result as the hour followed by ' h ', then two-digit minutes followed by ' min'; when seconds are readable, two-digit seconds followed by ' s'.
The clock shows 7 h 57 min 05 s
